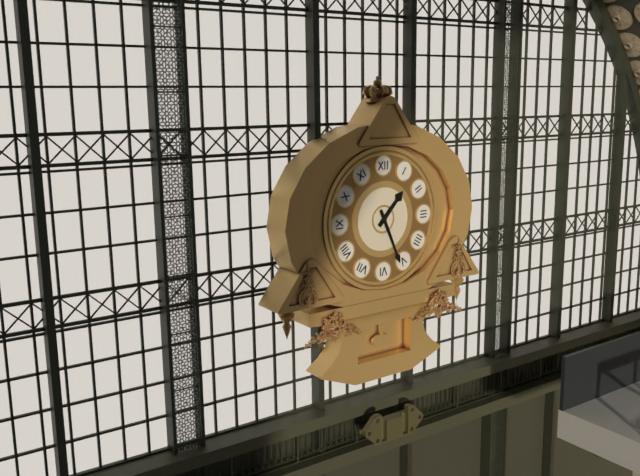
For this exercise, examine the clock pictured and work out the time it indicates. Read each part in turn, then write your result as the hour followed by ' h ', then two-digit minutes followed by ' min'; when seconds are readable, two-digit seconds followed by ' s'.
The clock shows 1 h 26 min
